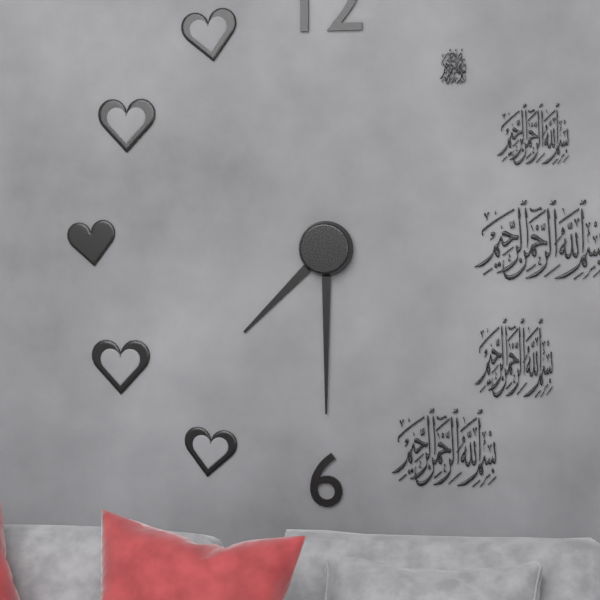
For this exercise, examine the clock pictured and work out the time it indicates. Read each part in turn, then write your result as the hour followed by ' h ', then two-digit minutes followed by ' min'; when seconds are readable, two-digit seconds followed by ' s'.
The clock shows 7 h 30 min
